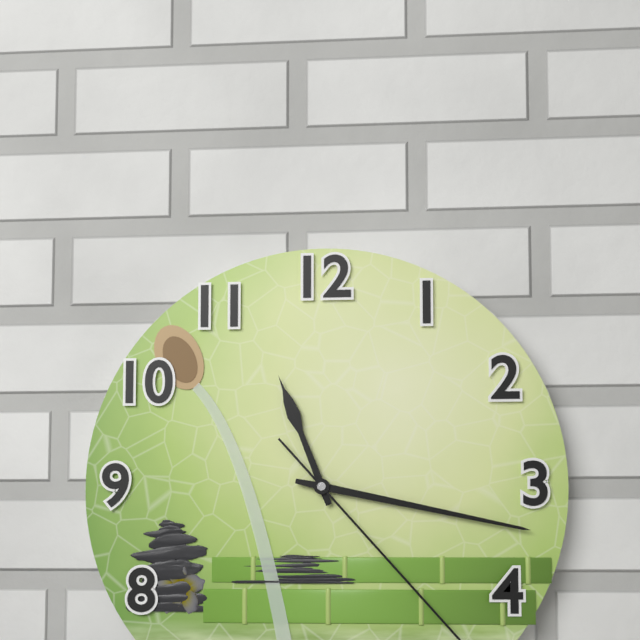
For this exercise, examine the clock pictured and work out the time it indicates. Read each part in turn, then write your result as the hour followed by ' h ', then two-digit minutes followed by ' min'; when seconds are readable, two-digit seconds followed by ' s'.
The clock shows 11 h 17 min
